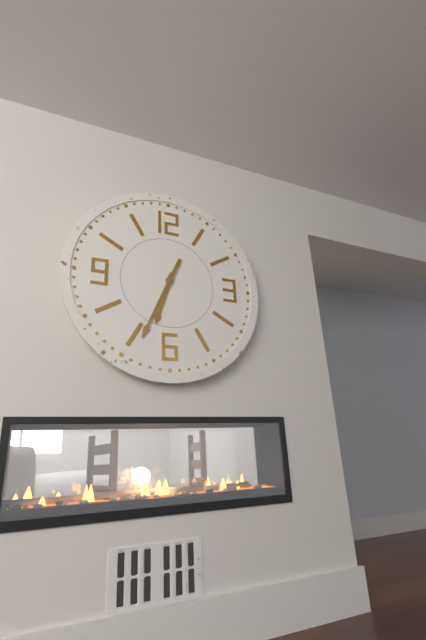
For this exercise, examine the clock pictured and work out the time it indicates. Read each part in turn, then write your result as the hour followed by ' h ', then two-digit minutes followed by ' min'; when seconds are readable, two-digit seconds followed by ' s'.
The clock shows 6 h 34 min
